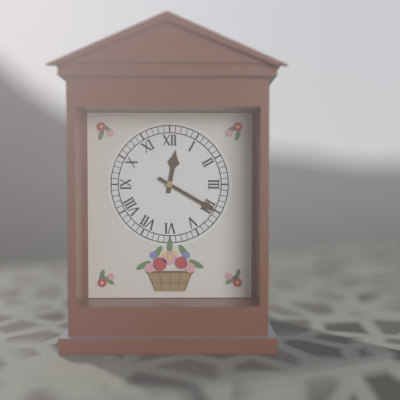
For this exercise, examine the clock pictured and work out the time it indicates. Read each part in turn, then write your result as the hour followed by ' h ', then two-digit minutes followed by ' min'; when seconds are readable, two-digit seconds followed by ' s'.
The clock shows 12 h 20 min
